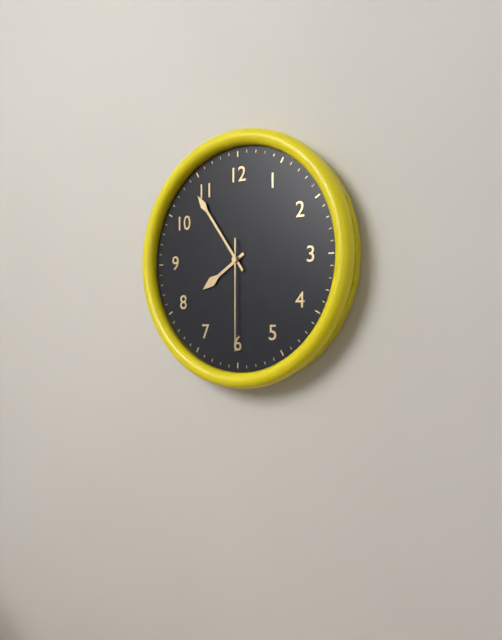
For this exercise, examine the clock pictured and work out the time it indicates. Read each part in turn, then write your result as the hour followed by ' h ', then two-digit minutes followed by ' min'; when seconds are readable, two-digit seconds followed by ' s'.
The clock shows 7 h 54 min 30 s
